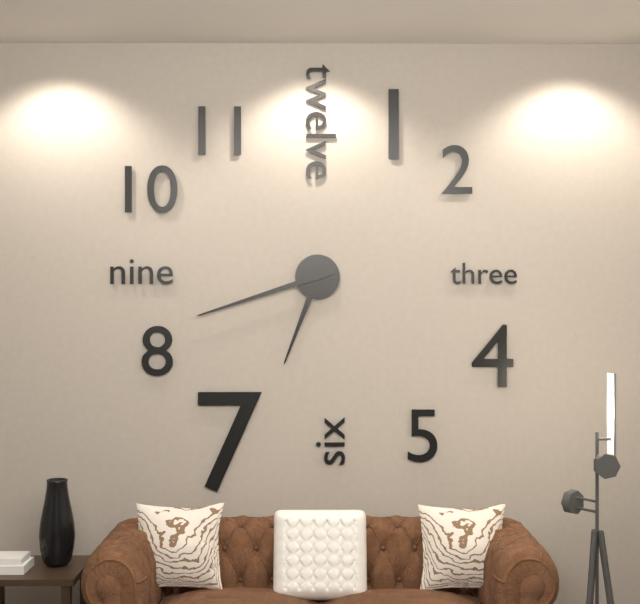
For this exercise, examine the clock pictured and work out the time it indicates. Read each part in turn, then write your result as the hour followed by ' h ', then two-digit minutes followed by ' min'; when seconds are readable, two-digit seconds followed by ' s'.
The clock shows 6 h 42 min
